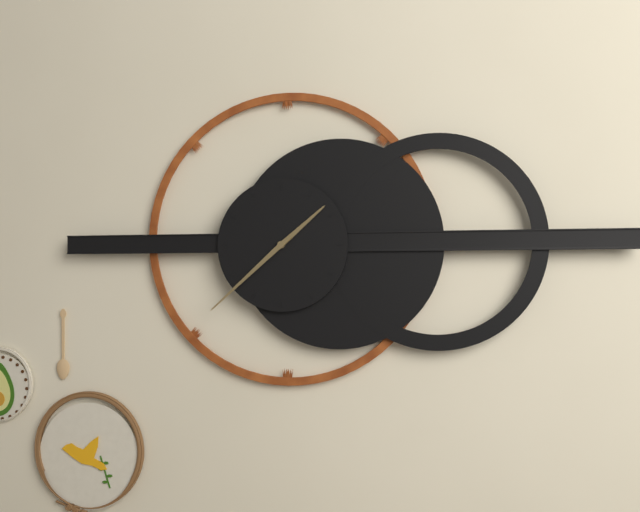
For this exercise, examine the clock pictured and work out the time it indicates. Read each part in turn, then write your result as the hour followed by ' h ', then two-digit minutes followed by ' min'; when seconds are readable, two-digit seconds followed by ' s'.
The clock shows 1 h 38 min
